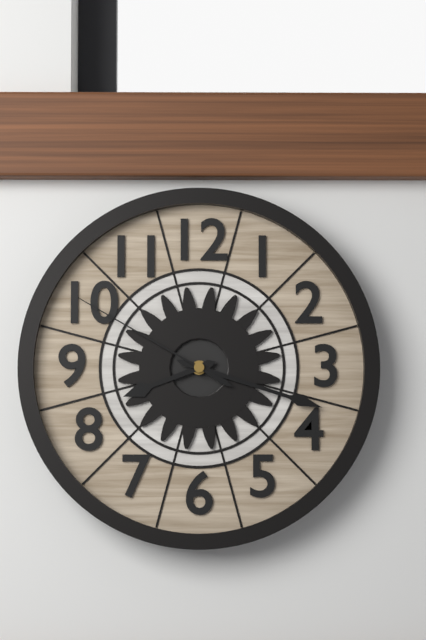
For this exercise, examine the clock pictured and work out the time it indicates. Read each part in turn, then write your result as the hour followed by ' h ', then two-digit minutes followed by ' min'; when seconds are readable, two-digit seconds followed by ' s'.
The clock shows 8 h 18 min 50 s
